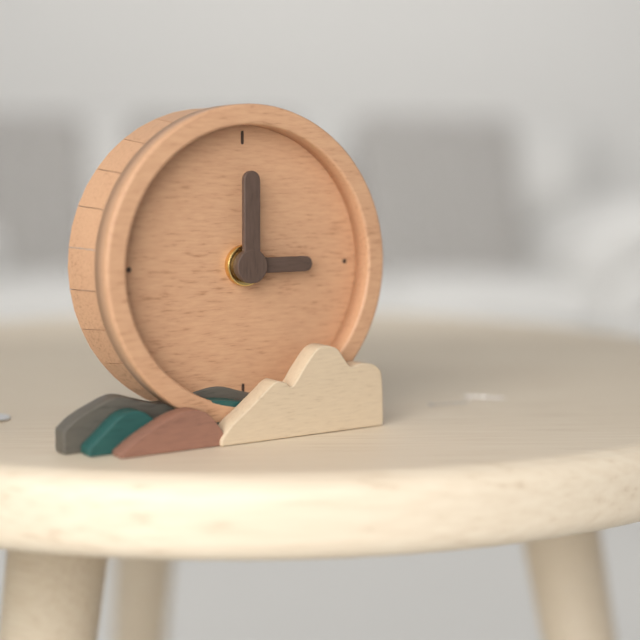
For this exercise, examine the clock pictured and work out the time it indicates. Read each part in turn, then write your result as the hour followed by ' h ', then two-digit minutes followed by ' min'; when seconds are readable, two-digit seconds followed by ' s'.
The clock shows 3 h 00 min
